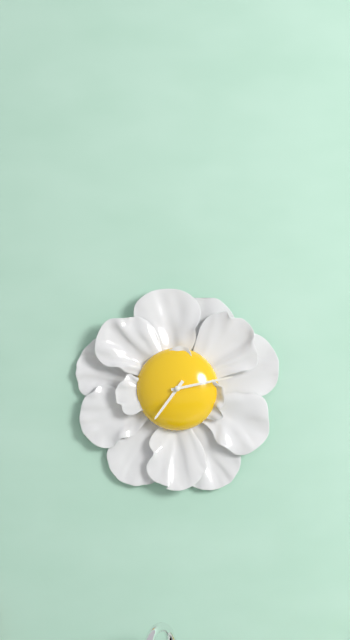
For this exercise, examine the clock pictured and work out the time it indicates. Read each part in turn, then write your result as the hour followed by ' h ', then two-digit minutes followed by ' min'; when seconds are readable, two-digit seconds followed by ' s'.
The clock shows 7 h 13 min
